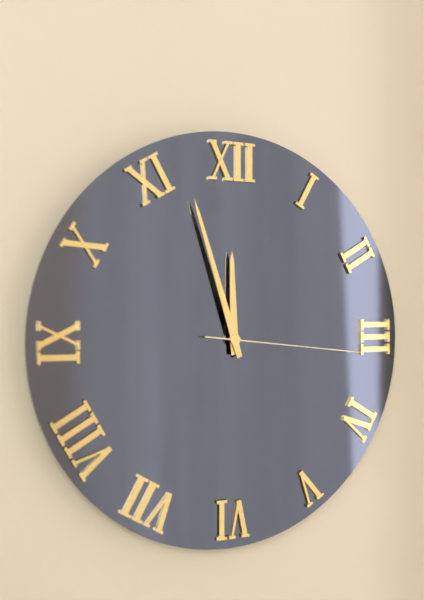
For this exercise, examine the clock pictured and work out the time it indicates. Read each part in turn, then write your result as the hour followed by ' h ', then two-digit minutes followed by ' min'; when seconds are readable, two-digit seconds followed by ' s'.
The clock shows 11 h 57 min 16 s
